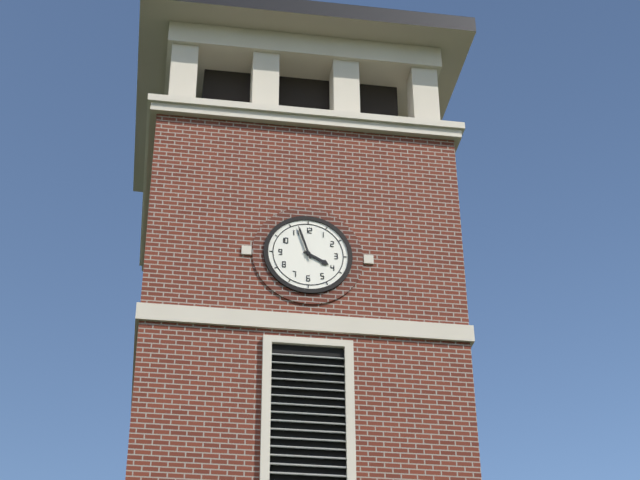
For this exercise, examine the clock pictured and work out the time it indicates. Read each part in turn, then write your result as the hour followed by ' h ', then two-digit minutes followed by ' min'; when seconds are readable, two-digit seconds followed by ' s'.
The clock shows 3 h 57 min
